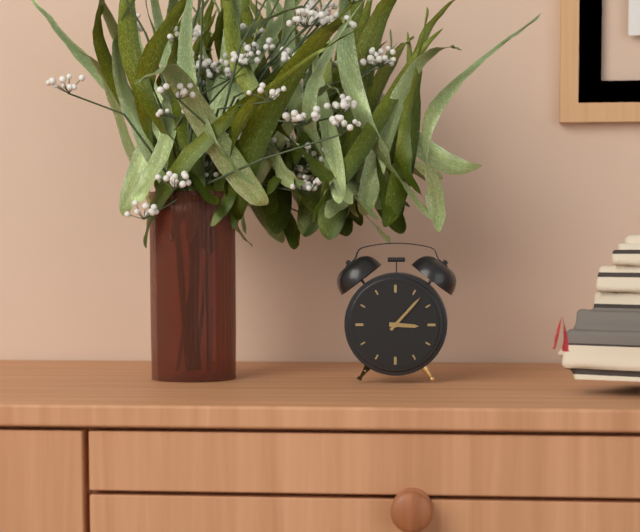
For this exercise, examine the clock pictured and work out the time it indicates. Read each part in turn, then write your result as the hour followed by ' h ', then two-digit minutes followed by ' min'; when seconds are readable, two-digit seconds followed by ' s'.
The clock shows 3 h 07 min
